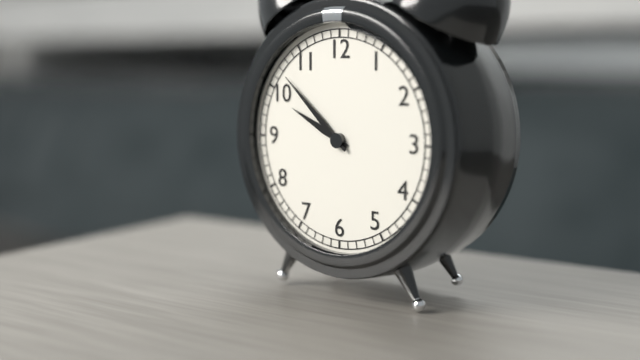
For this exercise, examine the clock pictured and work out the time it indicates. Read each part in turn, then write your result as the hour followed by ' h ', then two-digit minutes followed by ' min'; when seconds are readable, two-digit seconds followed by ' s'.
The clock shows 9 h 52 min
